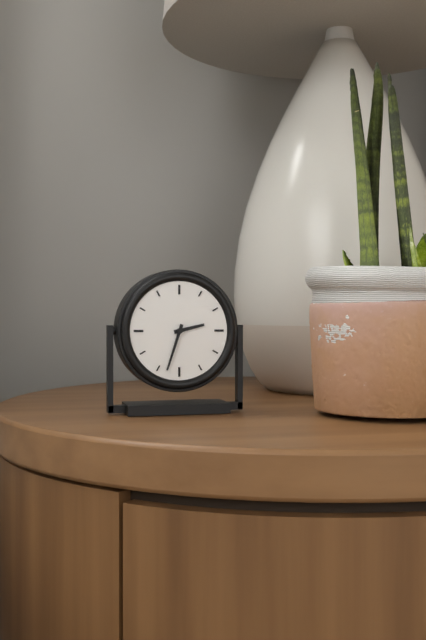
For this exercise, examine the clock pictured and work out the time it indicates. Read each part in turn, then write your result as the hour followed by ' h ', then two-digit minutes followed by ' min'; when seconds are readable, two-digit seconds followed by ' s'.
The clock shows 2 h 33 min
